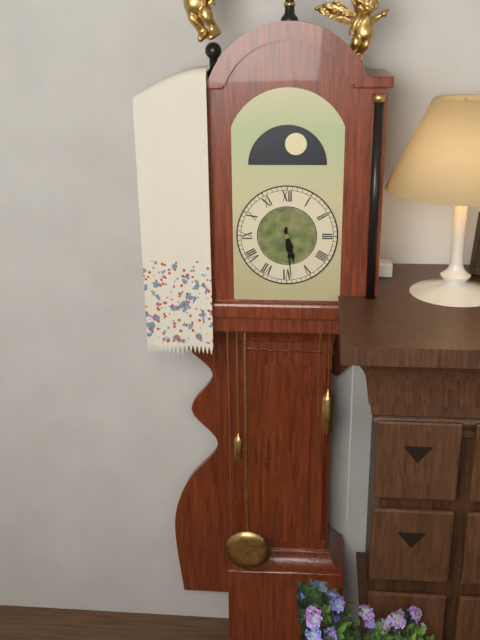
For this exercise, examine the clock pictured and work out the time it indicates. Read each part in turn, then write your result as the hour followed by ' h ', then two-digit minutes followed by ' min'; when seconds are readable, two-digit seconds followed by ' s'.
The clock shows 5 h 29 min
